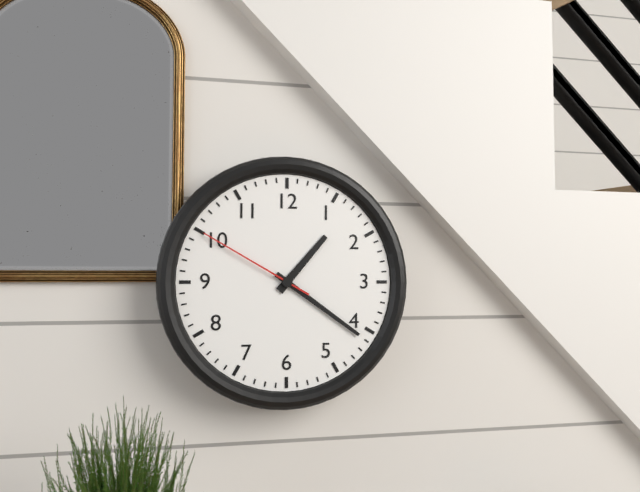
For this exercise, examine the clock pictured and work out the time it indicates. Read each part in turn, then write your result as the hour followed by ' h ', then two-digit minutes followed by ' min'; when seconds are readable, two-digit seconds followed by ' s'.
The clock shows 1 h 21 min 50 s
